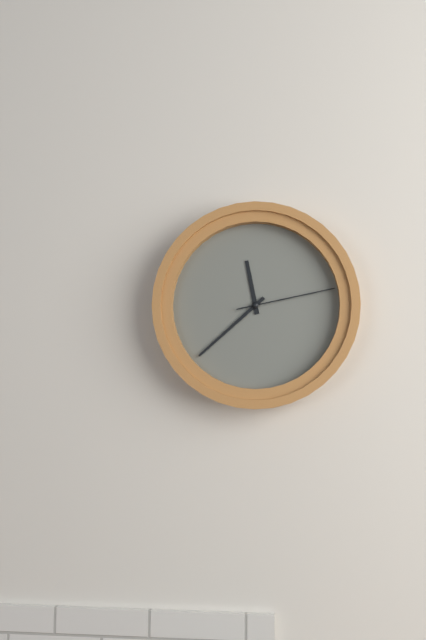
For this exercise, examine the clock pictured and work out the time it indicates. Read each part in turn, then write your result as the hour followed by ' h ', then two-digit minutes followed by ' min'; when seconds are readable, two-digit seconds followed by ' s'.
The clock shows 11 h 38 min 13 s
